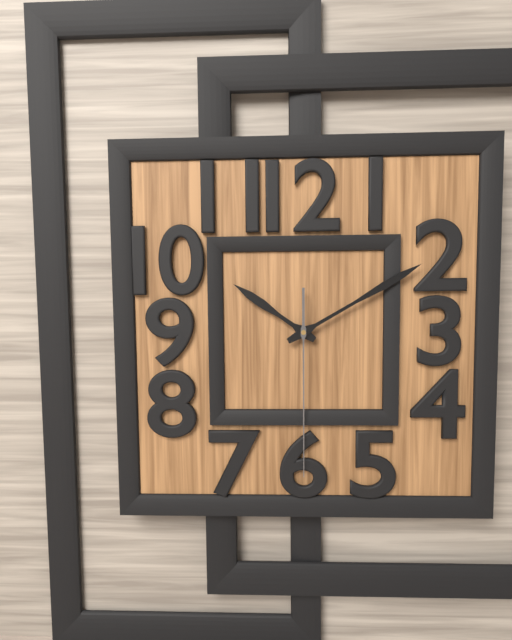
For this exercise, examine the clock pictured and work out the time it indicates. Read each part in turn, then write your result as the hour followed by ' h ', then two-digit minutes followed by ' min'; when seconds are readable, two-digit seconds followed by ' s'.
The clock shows 10 h 10 min 30 s
